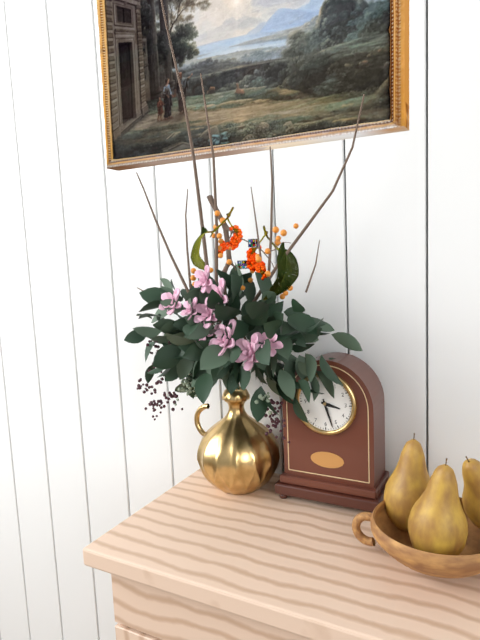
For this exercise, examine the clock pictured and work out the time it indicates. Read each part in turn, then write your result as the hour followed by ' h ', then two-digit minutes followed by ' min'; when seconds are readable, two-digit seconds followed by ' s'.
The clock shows 3 h 27 min
